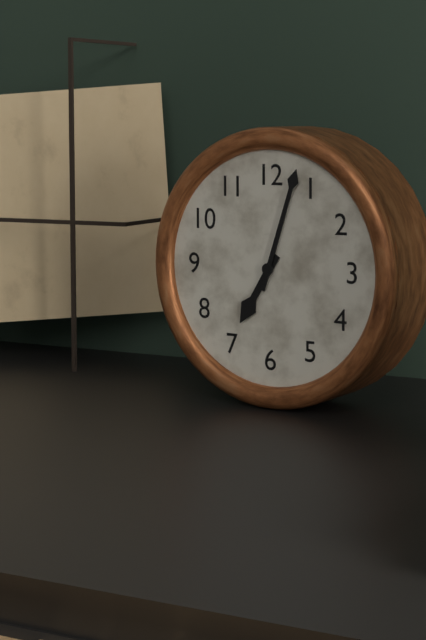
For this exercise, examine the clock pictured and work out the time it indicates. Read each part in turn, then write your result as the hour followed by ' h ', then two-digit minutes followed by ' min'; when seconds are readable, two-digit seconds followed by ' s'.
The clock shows 7 h 03 min
